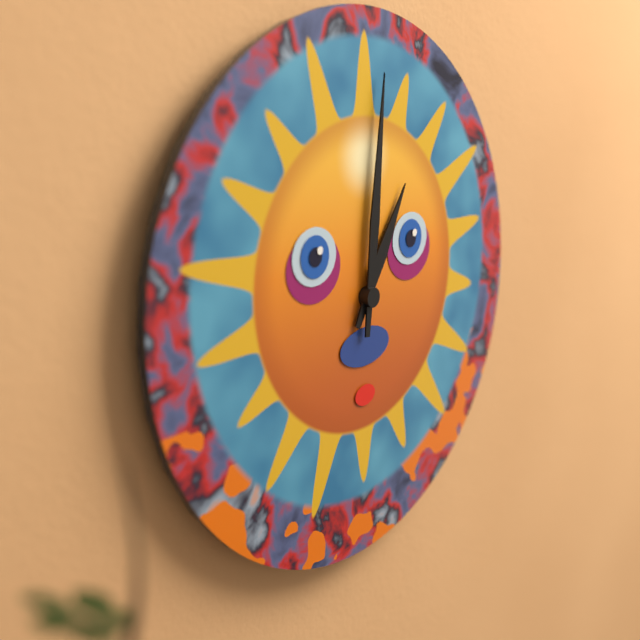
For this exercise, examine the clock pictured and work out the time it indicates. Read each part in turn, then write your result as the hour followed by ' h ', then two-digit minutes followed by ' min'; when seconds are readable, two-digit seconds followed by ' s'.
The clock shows 1 h 01 min
